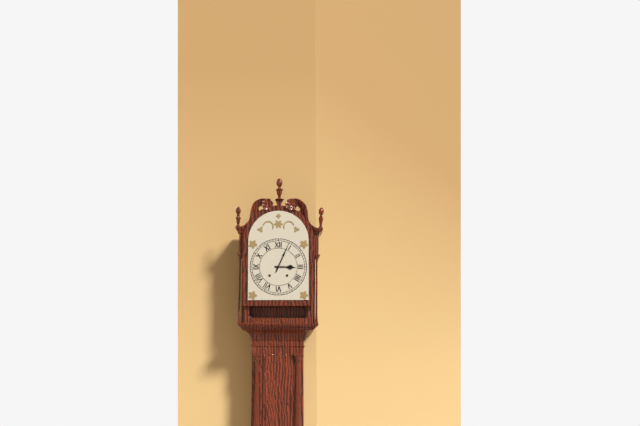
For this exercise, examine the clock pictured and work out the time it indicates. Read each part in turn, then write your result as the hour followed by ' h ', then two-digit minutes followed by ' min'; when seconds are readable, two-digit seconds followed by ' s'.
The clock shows 3 h 04 min
